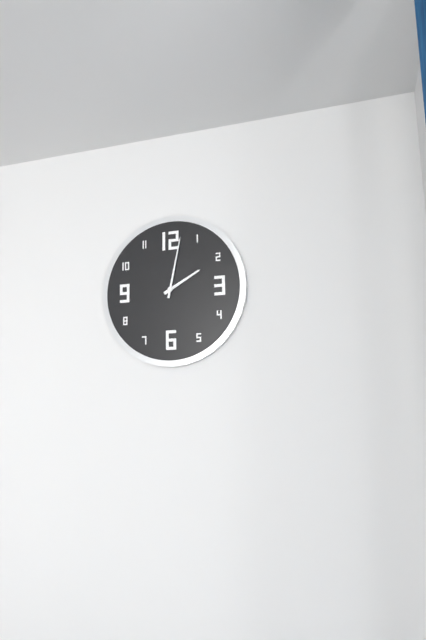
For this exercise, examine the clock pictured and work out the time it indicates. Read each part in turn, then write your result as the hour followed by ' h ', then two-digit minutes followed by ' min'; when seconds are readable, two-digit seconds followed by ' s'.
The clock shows 2 h 02 min
